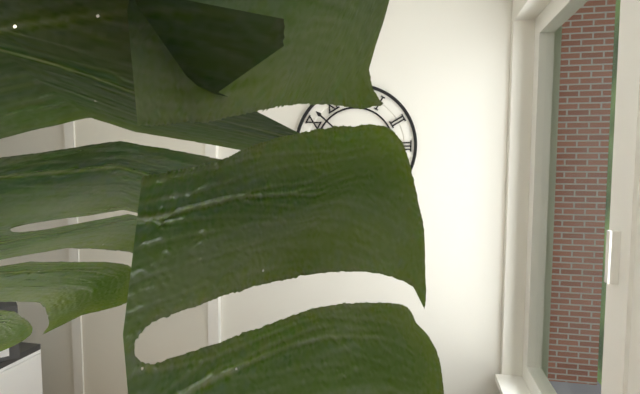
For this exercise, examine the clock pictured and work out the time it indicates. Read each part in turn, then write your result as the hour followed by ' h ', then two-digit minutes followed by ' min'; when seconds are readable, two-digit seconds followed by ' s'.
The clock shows 2 h 52 min
